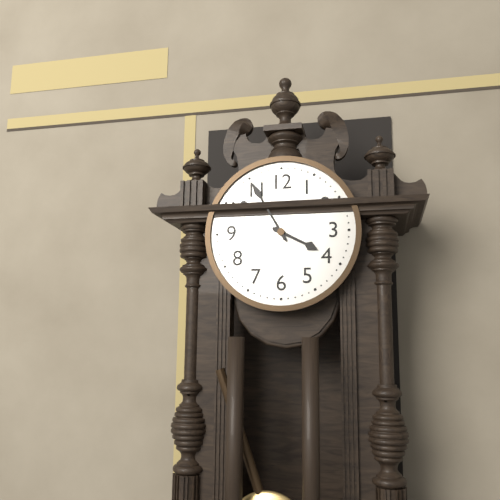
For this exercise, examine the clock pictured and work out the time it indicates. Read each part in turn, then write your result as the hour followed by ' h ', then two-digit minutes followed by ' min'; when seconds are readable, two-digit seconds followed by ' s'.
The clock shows 3 h 55 min
